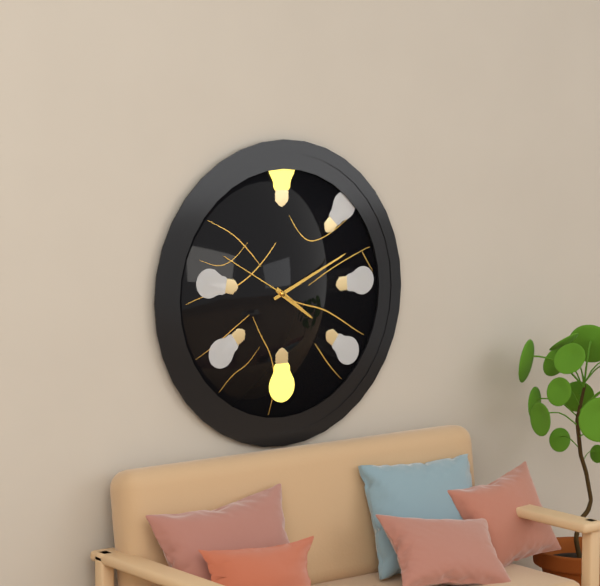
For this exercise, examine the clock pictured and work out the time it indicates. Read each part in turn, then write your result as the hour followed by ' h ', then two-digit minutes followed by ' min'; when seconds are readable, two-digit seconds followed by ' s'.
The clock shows 4 h 11 min 50 s
